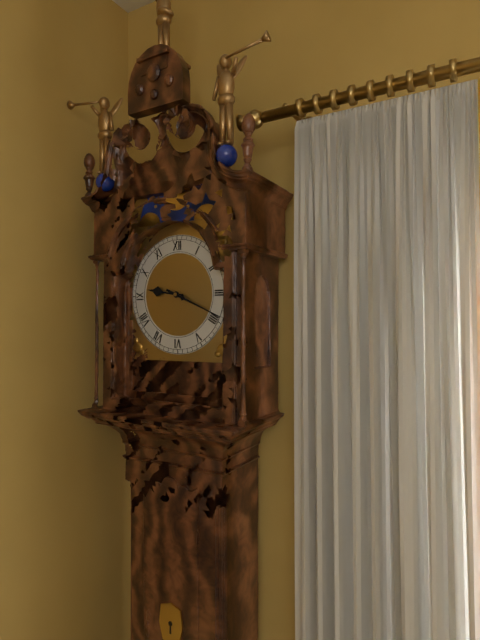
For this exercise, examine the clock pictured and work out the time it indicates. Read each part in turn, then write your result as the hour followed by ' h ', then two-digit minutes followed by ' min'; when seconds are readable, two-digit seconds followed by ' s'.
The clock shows 9 h 19 min
